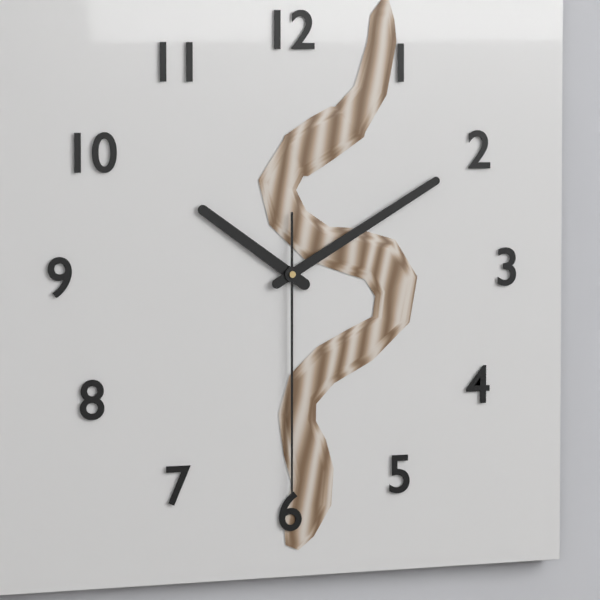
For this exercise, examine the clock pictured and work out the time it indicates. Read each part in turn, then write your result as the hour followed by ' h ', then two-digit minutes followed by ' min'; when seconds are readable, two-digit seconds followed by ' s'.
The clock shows 10 h 10 min 30 s
